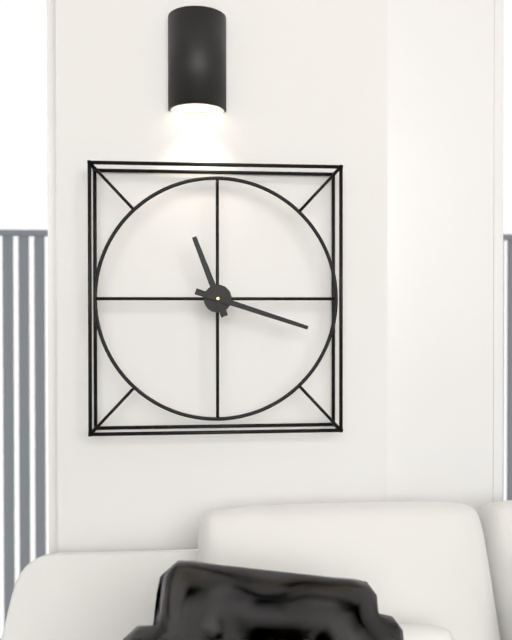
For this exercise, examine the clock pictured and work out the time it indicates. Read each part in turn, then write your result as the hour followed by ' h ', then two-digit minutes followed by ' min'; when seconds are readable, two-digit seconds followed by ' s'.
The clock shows 11 h 18 min
